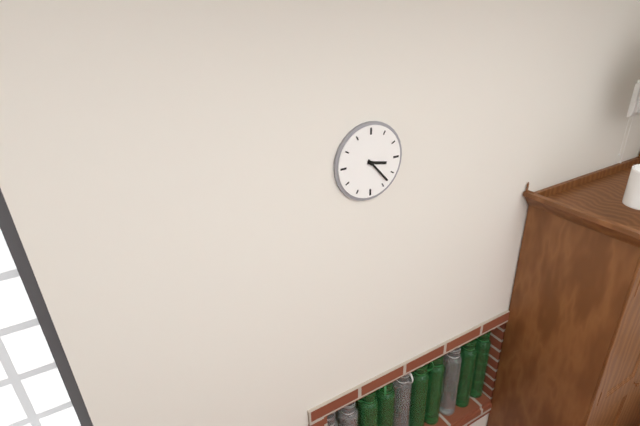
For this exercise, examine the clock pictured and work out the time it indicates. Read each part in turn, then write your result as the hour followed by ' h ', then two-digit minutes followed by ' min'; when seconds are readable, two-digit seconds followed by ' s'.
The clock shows 3 h 23 min
